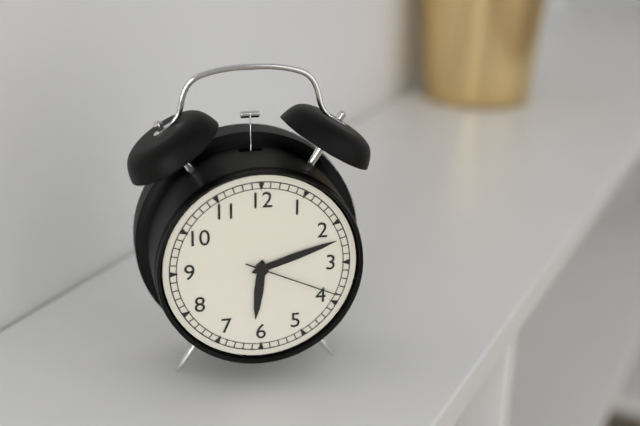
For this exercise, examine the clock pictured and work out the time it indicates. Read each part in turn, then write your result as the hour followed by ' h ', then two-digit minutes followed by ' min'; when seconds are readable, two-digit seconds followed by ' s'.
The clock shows 6 h 12 min 19 s
